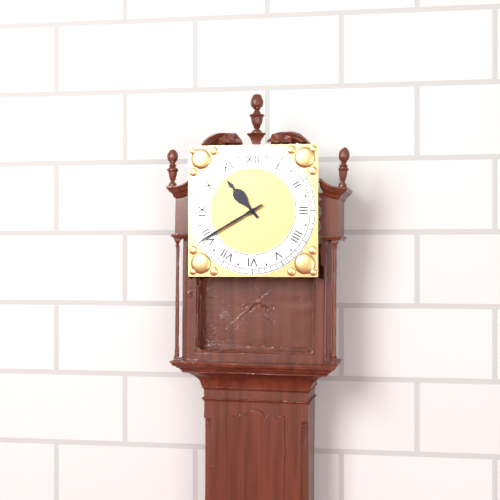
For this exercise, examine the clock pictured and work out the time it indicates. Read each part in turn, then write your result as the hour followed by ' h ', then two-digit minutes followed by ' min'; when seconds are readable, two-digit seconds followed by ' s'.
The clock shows 10 h 40 min
